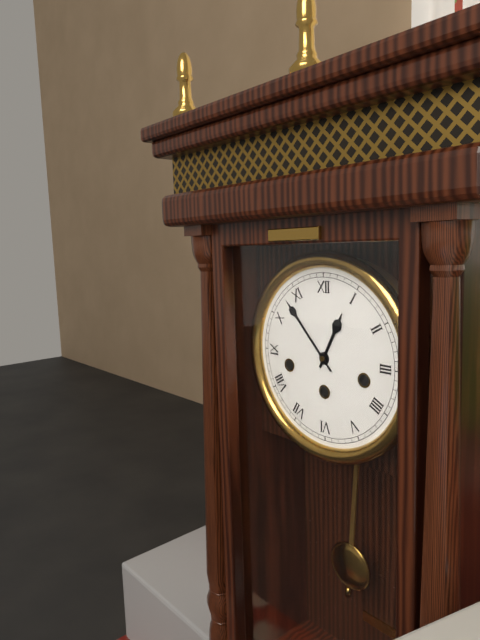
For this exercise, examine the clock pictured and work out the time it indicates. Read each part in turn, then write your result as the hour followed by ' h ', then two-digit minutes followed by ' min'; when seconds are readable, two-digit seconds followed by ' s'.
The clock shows 12 h 53 min
